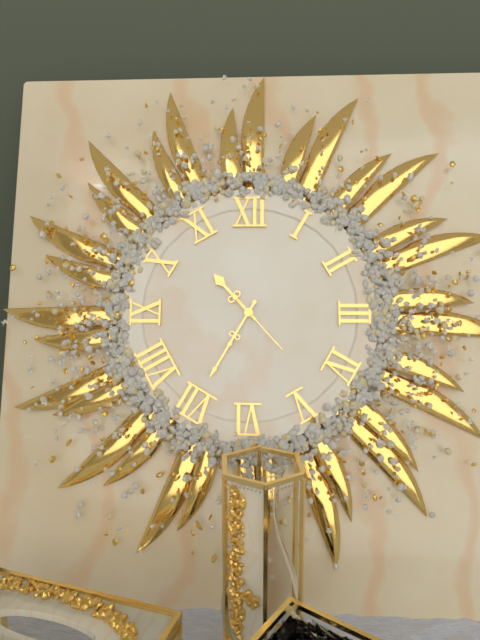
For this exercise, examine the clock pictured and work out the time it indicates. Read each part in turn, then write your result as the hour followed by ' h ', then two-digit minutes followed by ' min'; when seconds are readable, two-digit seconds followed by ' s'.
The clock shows 10 h 35 min 23 s
